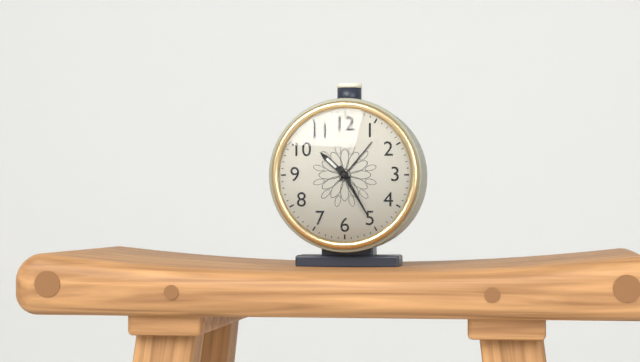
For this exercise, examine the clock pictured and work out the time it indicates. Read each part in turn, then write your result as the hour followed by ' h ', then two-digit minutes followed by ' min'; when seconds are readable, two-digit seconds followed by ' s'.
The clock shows 10 h 25 min
